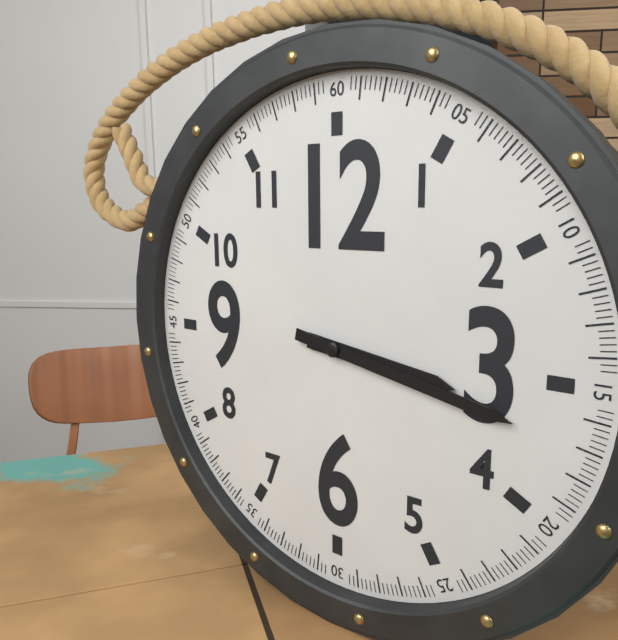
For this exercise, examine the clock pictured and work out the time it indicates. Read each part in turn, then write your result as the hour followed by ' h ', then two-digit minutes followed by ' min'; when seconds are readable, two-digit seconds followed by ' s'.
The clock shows 3 h 17 min
